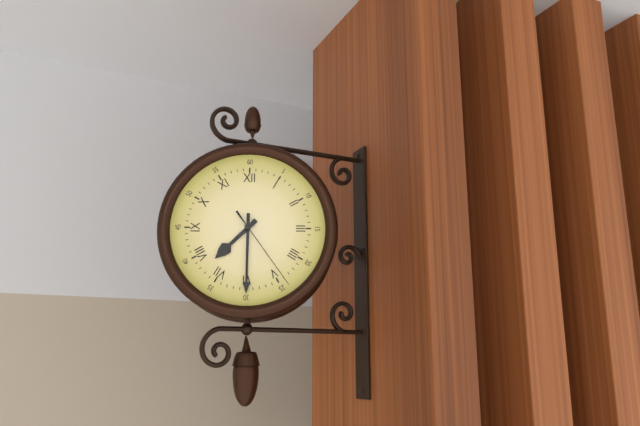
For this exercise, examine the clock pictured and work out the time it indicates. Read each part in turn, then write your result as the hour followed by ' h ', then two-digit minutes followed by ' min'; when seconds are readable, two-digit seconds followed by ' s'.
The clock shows 7 h 30 min 24 s
